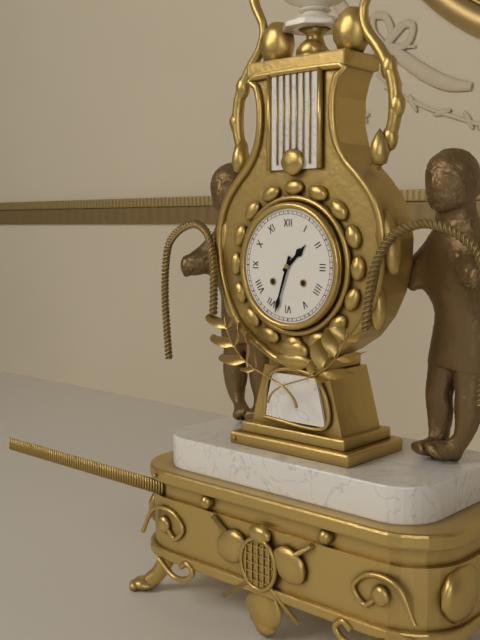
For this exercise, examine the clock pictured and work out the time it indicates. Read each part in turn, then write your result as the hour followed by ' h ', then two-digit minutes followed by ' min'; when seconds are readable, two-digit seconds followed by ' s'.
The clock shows 1 h 33 min
